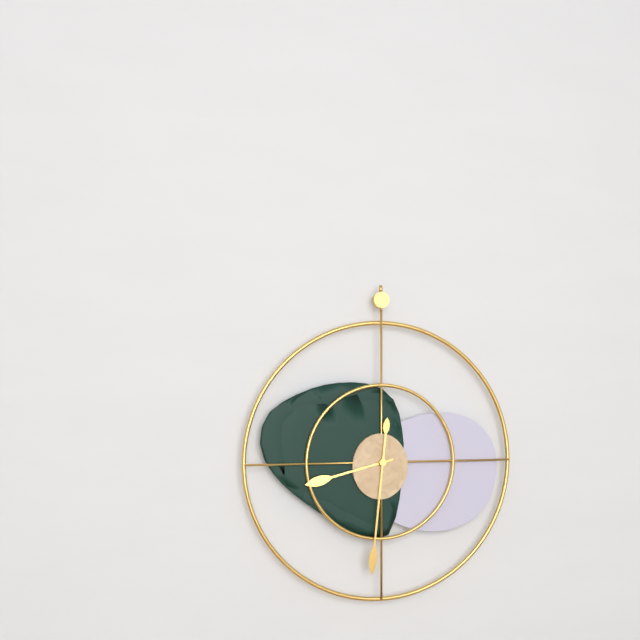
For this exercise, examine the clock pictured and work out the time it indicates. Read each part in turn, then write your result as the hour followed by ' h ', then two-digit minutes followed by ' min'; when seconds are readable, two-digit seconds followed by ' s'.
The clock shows 8 h 31 min
